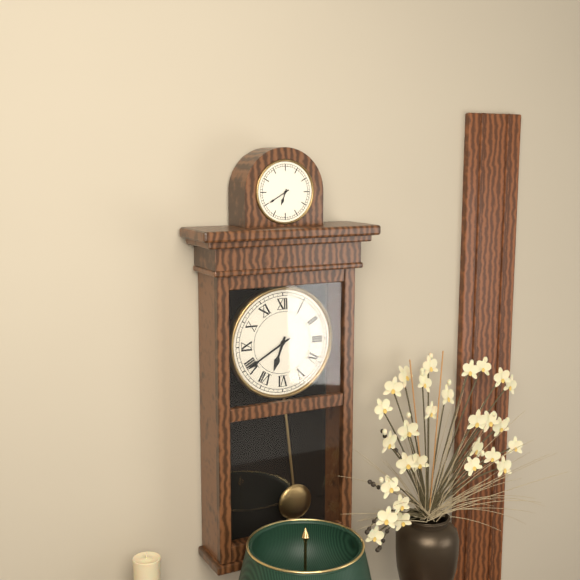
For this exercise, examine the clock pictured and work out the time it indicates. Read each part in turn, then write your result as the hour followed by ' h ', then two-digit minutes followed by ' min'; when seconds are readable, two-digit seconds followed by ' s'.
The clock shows 6 h 40 min
